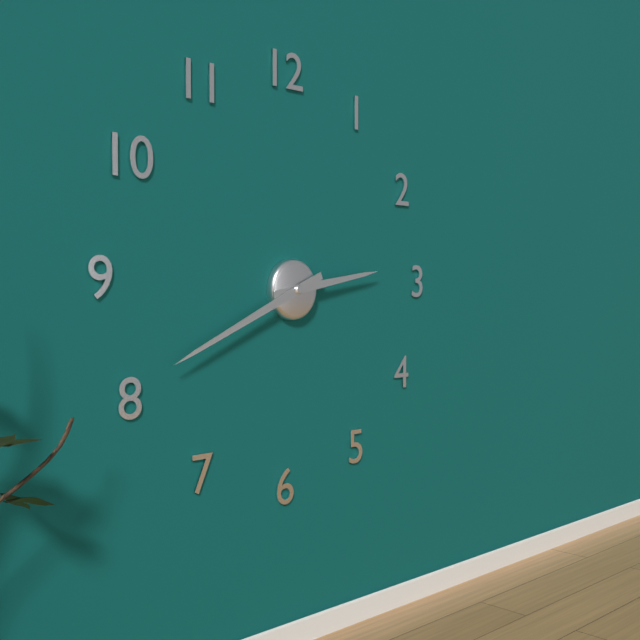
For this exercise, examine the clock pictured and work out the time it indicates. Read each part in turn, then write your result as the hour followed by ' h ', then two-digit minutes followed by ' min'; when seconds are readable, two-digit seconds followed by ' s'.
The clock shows 2 h 41 min
